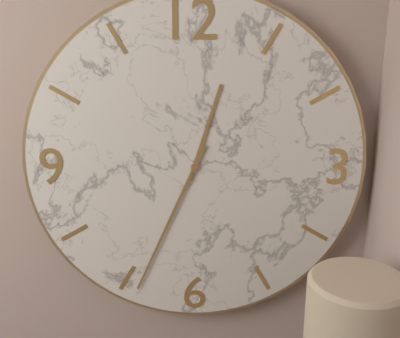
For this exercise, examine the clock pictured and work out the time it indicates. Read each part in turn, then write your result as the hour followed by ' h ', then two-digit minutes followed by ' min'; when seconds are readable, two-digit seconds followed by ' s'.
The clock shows 12 h 34 min
